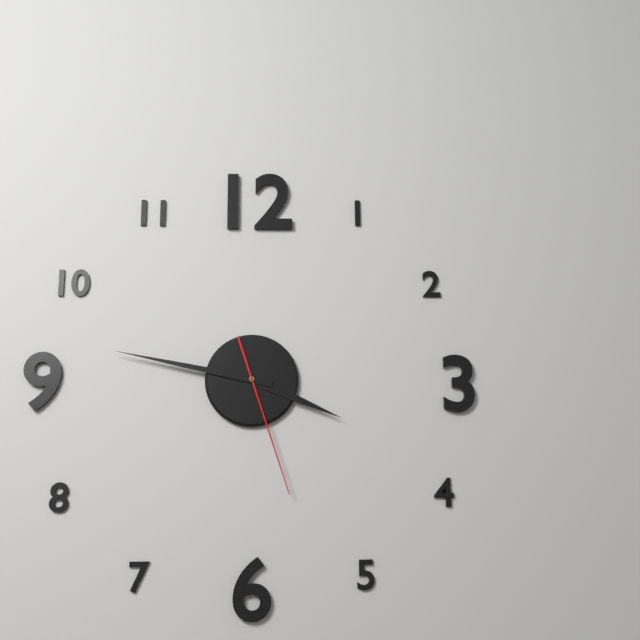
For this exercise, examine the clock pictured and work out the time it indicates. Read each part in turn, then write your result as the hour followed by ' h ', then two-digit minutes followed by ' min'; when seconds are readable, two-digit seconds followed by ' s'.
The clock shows 3 h 47 min 27 s
